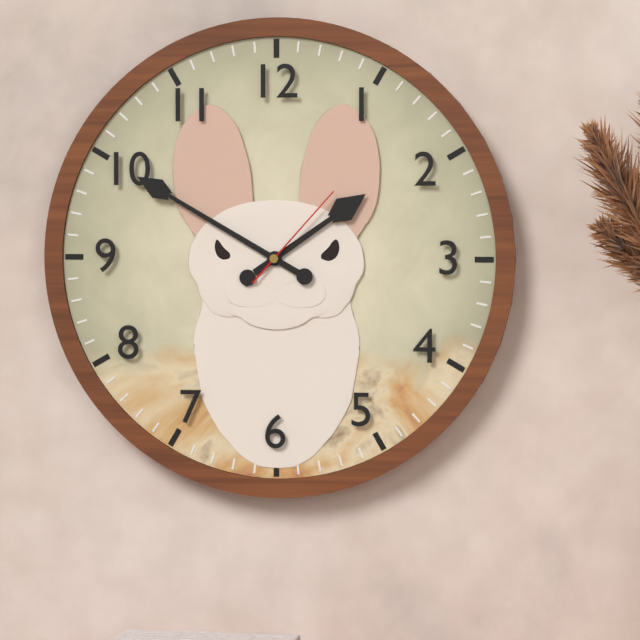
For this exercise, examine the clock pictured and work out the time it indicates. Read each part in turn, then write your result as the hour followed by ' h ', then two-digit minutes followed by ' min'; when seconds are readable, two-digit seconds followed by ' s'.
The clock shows 1 h 50 min 07 s
